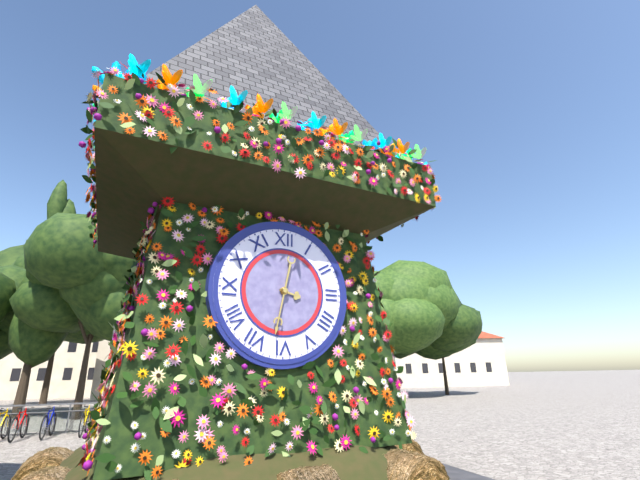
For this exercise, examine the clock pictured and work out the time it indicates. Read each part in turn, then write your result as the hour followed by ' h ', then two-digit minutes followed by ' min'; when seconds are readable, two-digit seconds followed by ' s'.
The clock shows 3 h 32 min
